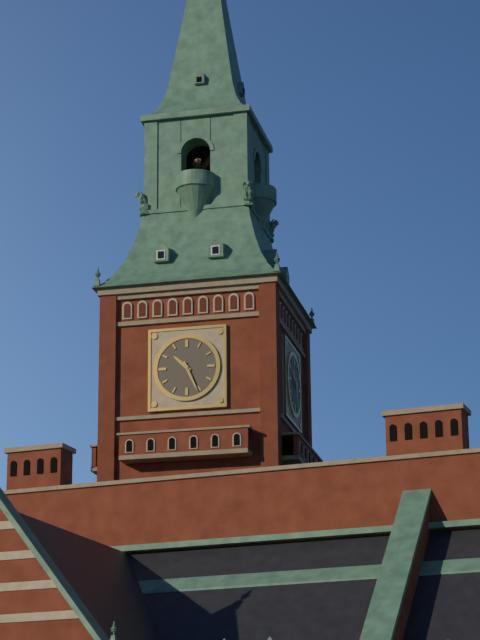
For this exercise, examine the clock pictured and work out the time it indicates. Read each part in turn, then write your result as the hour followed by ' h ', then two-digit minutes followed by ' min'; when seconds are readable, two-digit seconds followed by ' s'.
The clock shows 10 h 26 min
